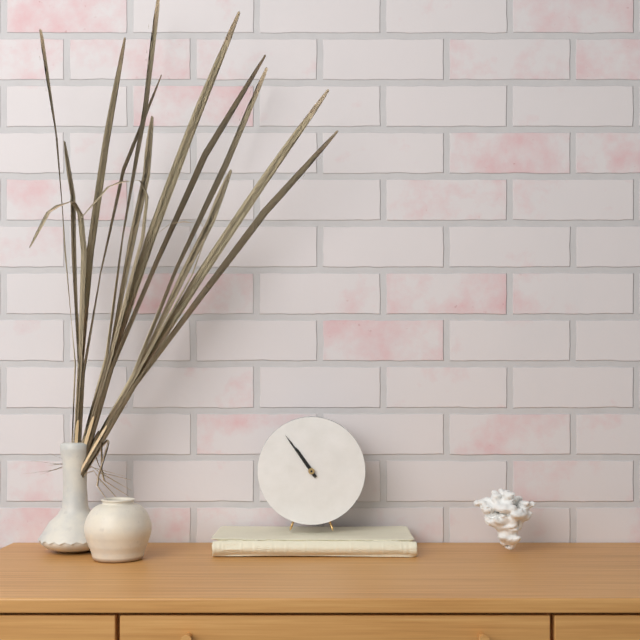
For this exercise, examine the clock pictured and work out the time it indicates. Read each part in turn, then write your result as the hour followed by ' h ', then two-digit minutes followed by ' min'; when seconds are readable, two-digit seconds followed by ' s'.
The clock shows 10 h 54 min
